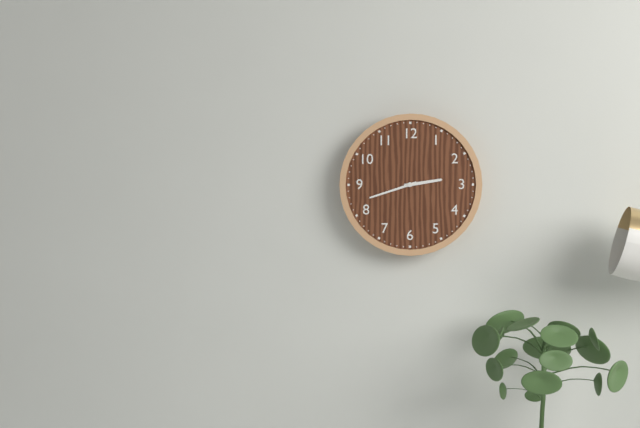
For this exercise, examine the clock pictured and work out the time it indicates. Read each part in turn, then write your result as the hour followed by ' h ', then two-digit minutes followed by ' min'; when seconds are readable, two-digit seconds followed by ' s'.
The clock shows 2 h 42 min
